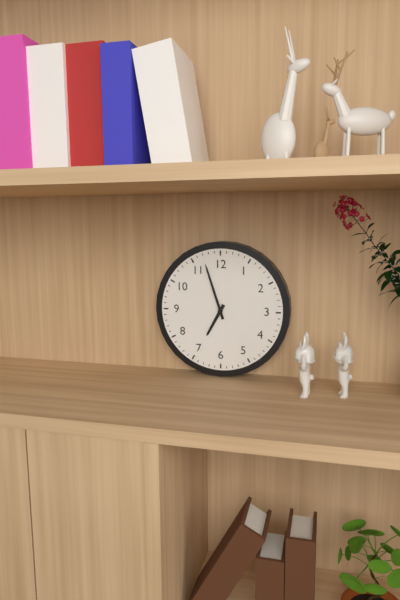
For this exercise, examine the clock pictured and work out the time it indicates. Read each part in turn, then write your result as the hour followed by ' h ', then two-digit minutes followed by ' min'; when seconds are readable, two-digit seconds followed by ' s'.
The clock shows 6 h 57 min
